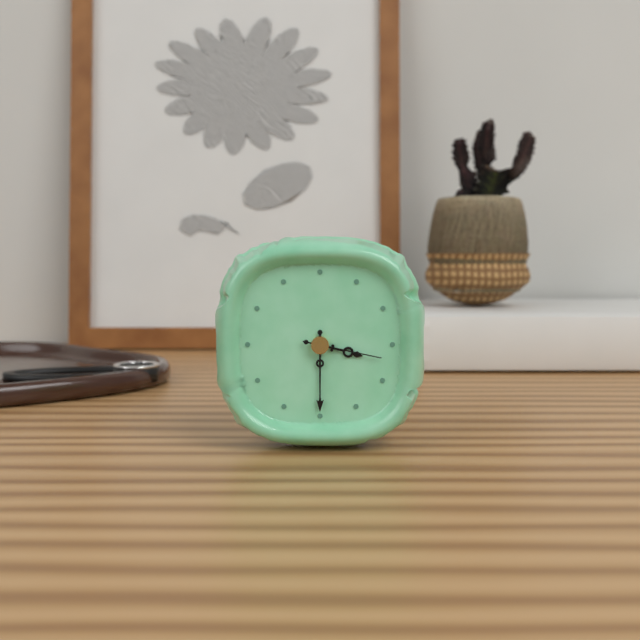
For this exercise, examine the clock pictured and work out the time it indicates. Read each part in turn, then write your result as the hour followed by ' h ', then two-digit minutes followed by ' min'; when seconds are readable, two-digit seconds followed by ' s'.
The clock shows 3 h 30 min 17 s
